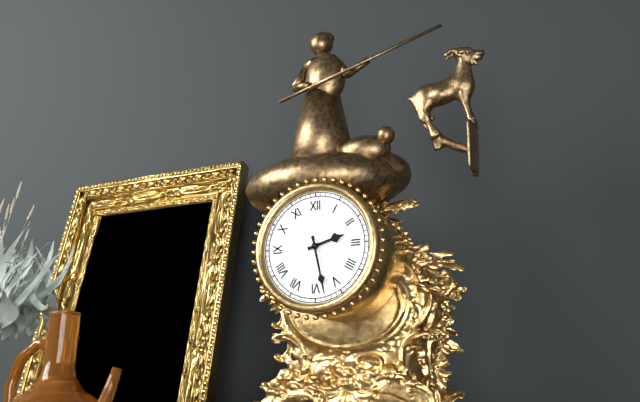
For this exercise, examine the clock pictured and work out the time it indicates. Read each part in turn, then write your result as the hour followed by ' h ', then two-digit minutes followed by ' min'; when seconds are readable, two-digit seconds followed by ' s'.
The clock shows 2 h 28 min
